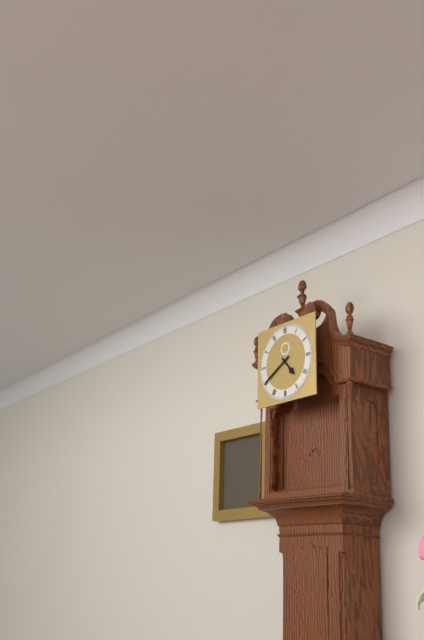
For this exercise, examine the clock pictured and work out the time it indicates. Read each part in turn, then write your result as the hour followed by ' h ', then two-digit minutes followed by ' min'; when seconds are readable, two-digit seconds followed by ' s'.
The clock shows 4 h 40 min
